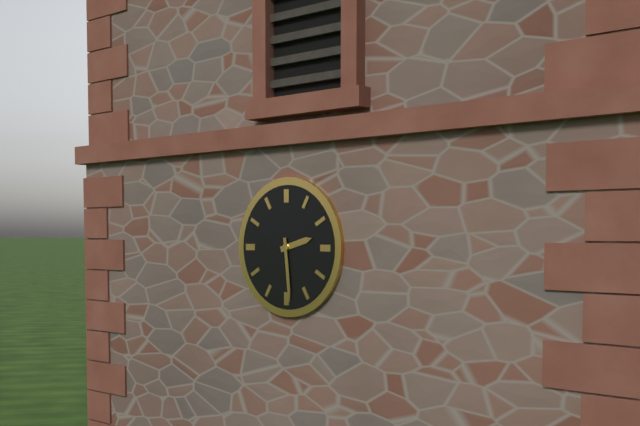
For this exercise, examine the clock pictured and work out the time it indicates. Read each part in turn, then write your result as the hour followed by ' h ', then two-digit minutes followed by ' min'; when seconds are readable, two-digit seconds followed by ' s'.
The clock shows 2 h 29 min
